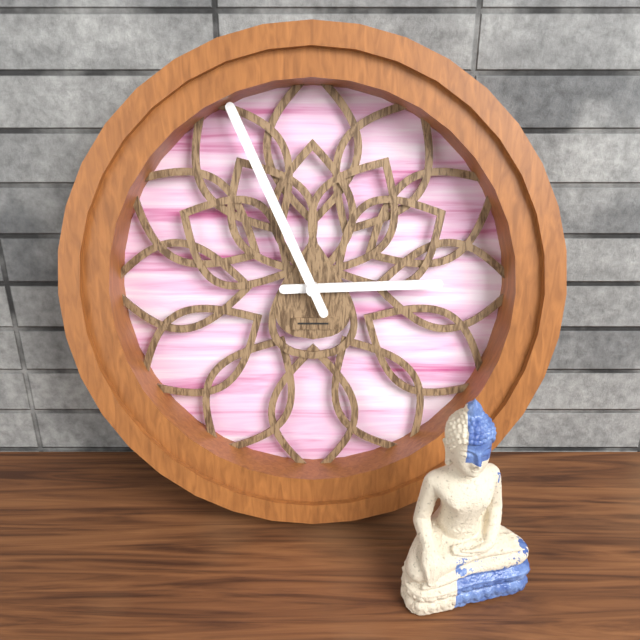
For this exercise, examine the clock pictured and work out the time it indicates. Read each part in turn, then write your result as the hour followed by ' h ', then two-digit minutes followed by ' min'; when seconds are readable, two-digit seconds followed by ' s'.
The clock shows 2 h 56 min
